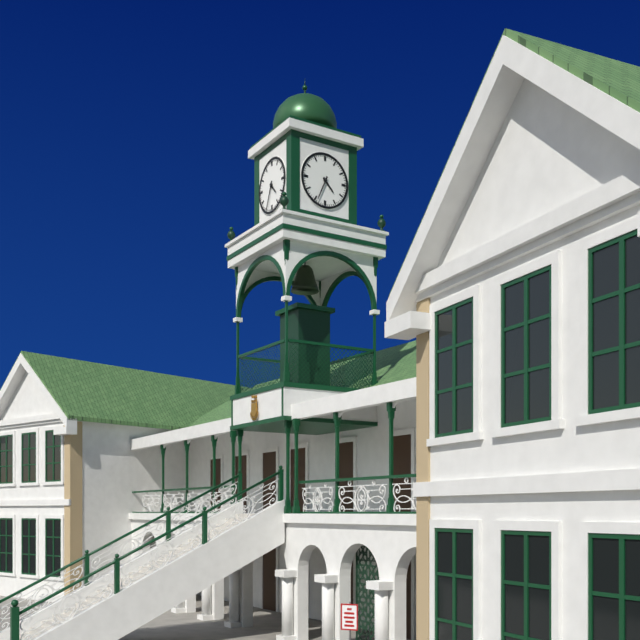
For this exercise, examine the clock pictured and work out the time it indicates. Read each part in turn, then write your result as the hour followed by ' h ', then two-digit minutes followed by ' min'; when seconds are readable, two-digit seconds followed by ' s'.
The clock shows 4 h 34 min
